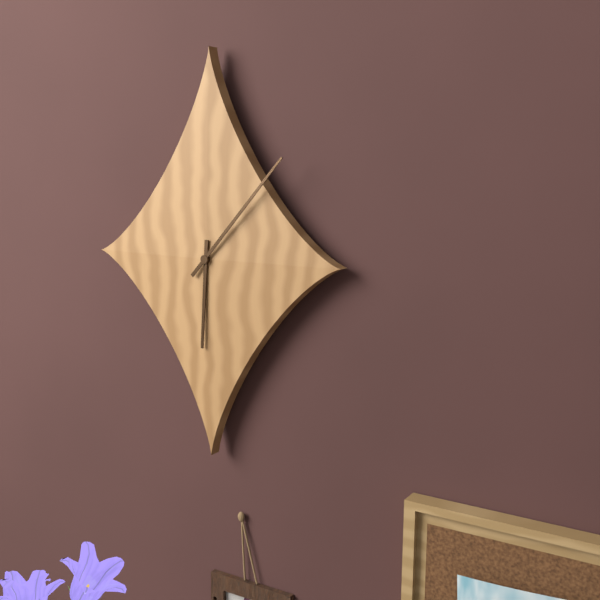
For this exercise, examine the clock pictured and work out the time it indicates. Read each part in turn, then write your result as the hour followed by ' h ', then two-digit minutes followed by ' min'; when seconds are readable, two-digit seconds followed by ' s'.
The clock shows 6 h 07 min
